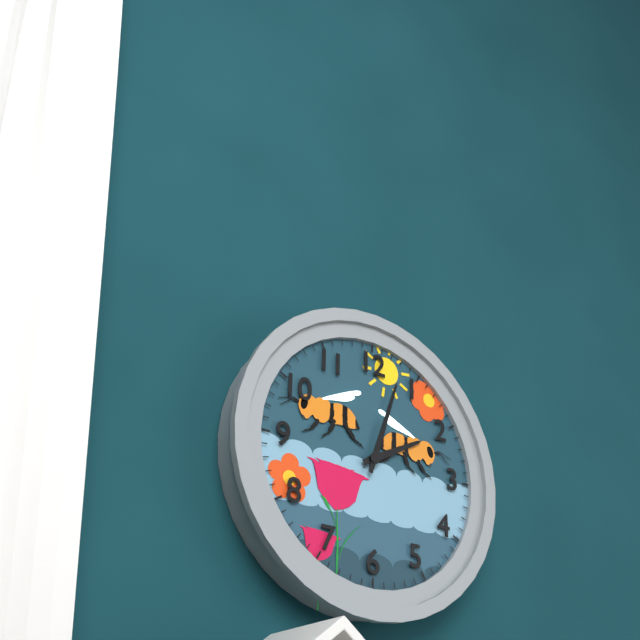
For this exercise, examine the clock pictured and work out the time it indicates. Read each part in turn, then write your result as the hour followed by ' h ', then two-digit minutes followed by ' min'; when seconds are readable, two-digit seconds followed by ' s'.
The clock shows 2 h 03 min
